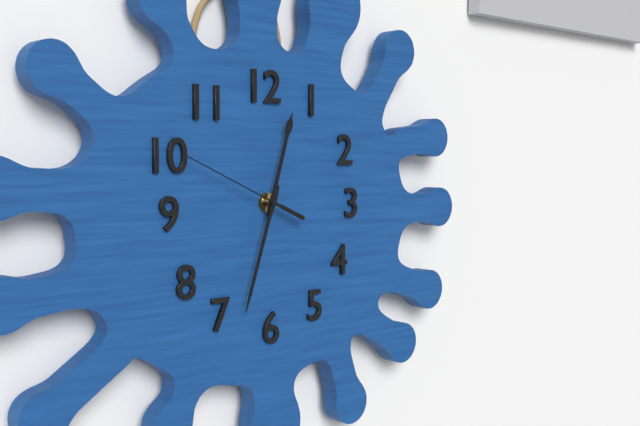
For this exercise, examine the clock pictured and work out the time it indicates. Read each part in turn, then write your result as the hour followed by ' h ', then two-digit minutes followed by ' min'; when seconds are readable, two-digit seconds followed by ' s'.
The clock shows 12 h 33 min 49 s
